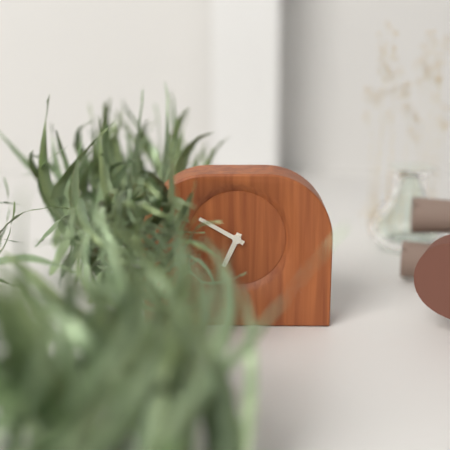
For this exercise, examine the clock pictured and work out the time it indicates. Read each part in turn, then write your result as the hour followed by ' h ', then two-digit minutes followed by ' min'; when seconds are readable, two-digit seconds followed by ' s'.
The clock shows 6 h 50 min
